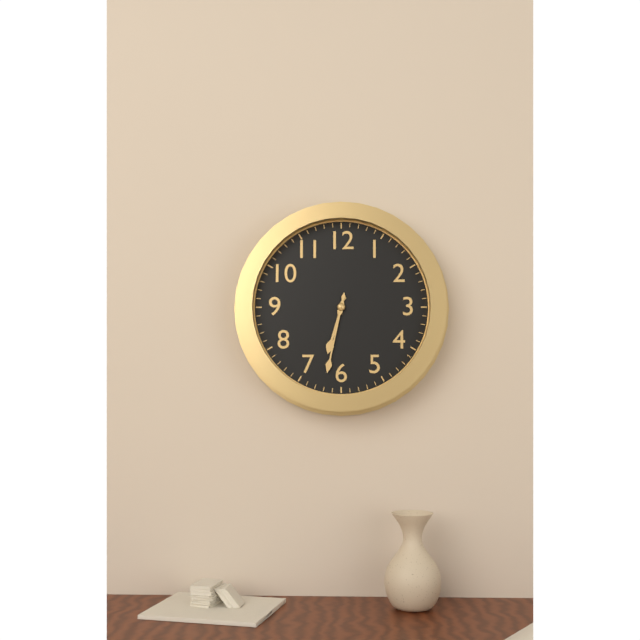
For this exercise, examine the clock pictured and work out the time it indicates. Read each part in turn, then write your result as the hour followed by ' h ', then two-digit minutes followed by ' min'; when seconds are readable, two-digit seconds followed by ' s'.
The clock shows 6 h 32 min
